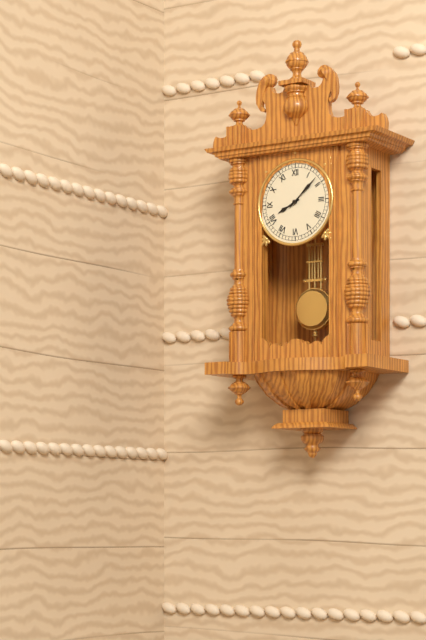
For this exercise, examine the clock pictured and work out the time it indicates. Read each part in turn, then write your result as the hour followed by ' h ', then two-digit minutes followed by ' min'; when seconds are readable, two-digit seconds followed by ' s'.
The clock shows 8 h 08 min
